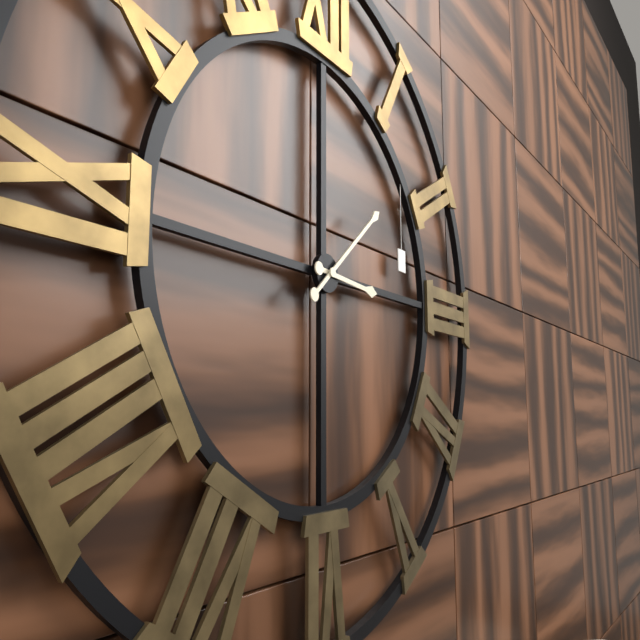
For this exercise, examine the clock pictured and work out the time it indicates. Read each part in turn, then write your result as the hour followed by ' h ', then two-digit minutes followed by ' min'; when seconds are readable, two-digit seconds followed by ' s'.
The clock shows 3 h 08 min
